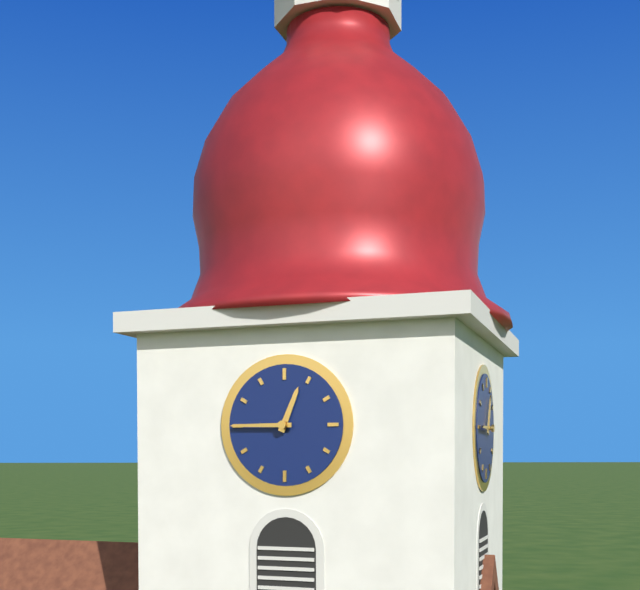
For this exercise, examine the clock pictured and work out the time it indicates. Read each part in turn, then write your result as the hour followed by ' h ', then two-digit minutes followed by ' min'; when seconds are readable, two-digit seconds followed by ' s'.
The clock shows 12 h 45 min
